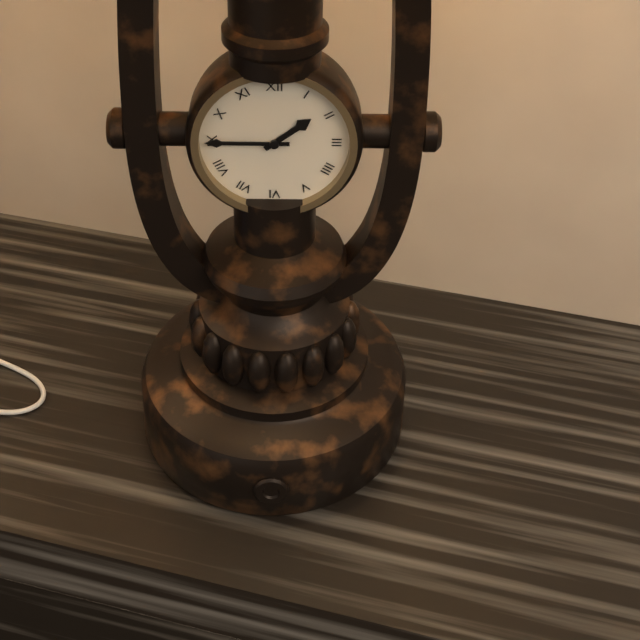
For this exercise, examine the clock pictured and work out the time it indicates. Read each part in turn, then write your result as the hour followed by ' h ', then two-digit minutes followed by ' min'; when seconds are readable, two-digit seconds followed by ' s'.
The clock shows 1 h 45 min
